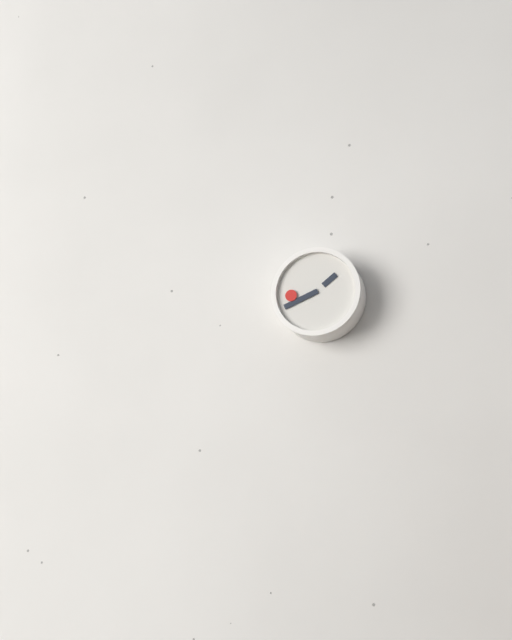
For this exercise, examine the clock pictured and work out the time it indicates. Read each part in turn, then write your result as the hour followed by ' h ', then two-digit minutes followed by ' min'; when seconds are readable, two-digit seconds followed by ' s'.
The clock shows 1 h 41 min
